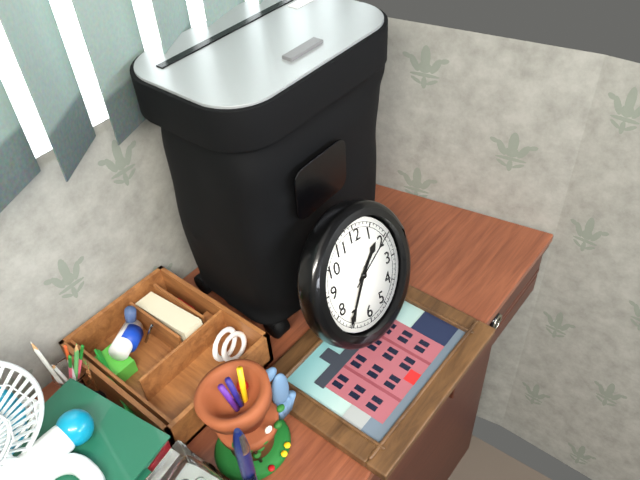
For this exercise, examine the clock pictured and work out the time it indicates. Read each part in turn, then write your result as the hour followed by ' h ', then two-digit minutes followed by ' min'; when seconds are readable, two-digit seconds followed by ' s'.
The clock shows 1 h 36 min 10 s
